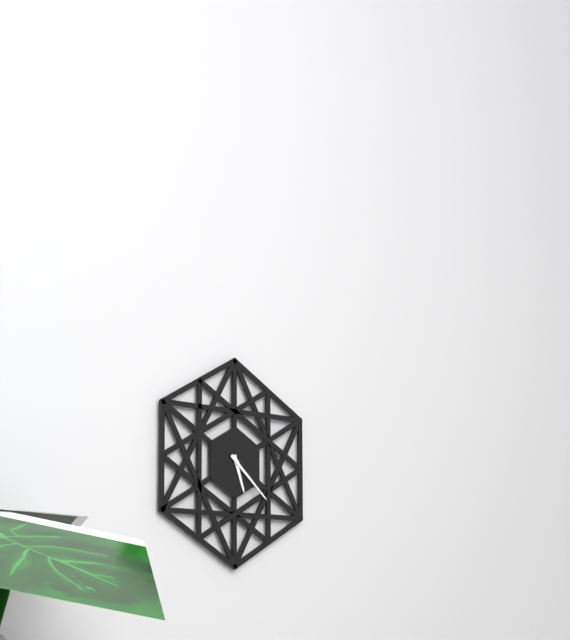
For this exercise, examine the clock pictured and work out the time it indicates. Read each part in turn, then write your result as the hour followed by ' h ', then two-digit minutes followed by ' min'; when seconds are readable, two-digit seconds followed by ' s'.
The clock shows 5 h 22 min
